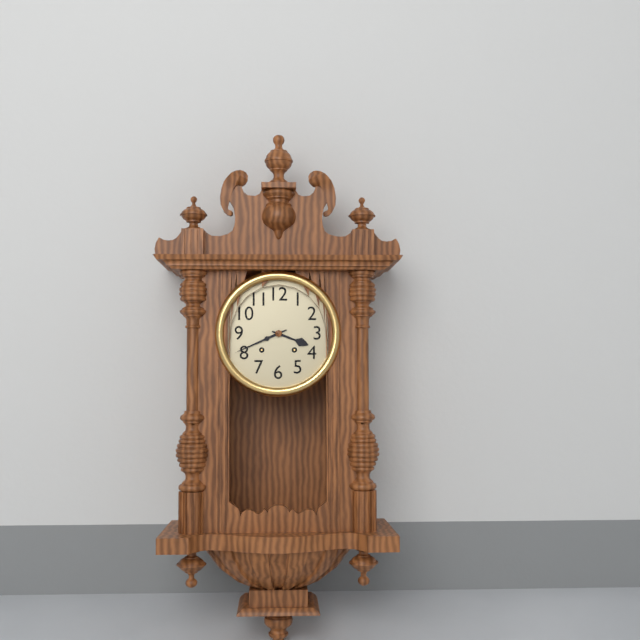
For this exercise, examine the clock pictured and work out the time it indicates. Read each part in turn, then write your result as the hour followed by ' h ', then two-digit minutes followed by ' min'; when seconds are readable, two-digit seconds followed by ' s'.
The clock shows 3 h 41 min
